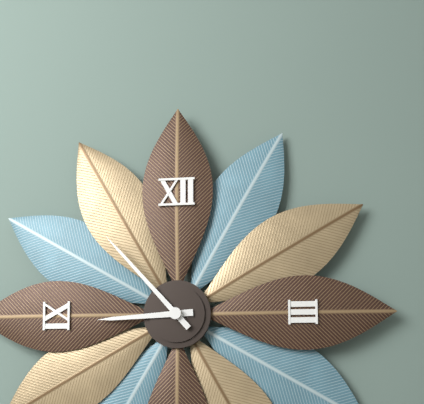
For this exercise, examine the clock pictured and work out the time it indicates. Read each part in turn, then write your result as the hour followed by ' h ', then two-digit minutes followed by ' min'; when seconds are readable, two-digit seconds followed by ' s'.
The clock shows 8 h 53 min
